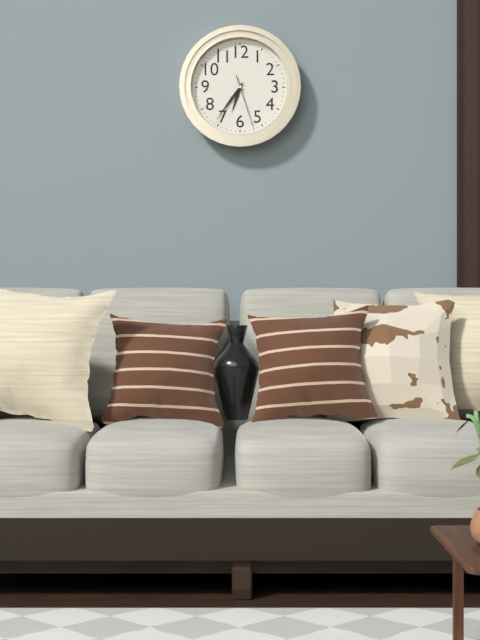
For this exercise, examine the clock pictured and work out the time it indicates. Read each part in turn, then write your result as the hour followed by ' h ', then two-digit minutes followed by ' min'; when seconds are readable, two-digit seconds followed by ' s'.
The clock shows 6 h 36 min 27 s
